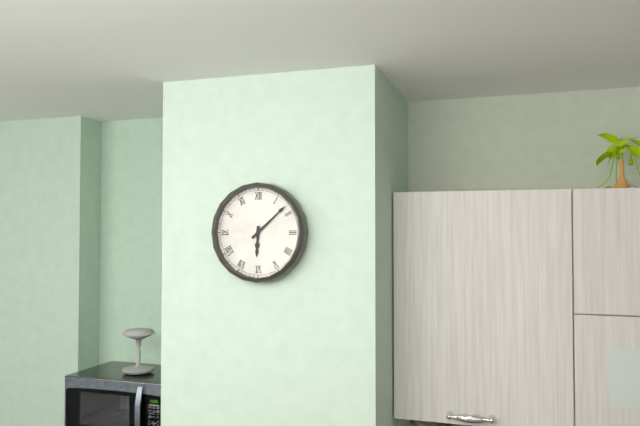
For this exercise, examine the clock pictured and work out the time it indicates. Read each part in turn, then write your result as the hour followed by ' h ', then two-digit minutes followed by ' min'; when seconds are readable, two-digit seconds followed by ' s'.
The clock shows 6 h 08 min
